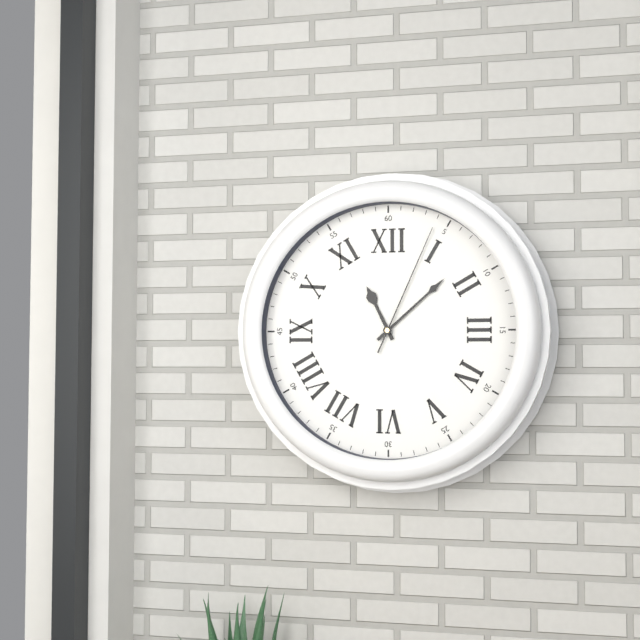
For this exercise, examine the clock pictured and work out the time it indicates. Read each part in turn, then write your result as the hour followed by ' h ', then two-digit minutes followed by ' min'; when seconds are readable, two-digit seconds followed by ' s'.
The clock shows 11 h 08 min 04 s
